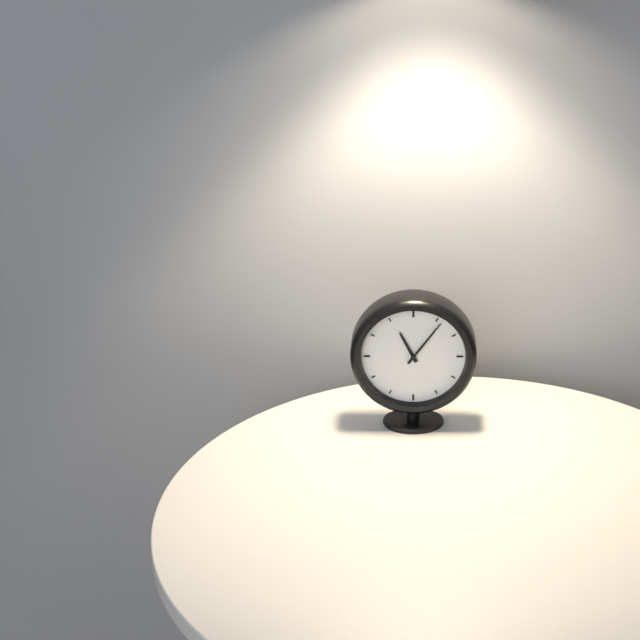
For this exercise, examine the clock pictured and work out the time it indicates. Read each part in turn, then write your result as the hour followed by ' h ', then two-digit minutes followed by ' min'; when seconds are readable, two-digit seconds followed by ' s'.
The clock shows 11 h 06 min
